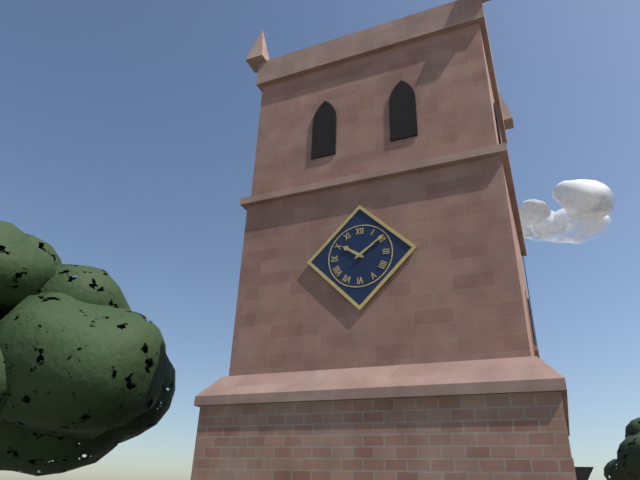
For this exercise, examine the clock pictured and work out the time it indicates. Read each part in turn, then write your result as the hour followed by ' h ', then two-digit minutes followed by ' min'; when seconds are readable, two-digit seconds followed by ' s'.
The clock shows 10 h 09 min
